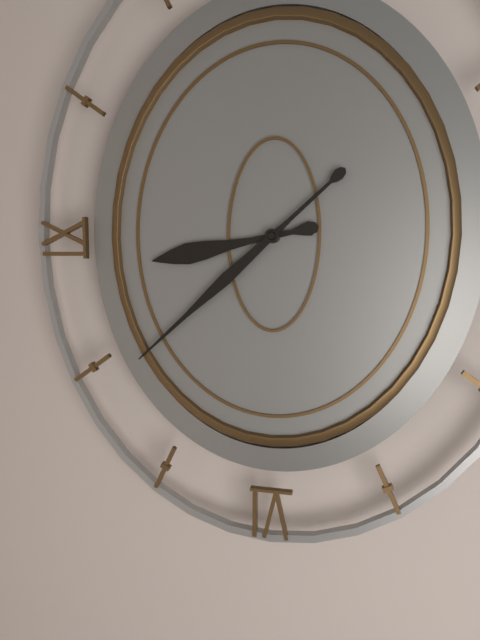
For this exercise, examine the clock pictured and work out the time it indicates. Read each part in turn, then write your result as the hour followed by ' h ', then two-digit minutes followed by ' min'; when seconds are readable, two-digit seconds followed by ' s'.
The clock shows 8 h 38 min
